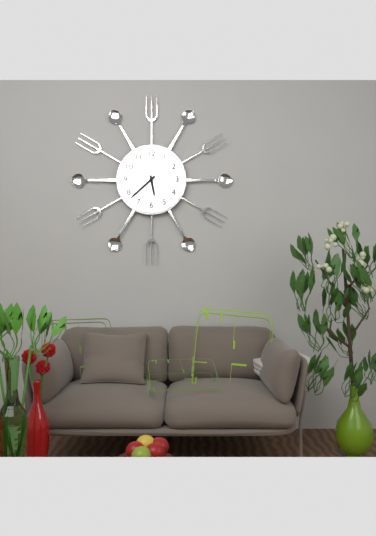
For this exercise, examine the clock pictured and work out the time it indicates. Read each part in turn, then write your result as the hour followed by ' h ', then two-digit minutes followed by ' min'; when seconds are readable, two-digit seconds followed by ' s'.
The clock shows 5 h 38 min
